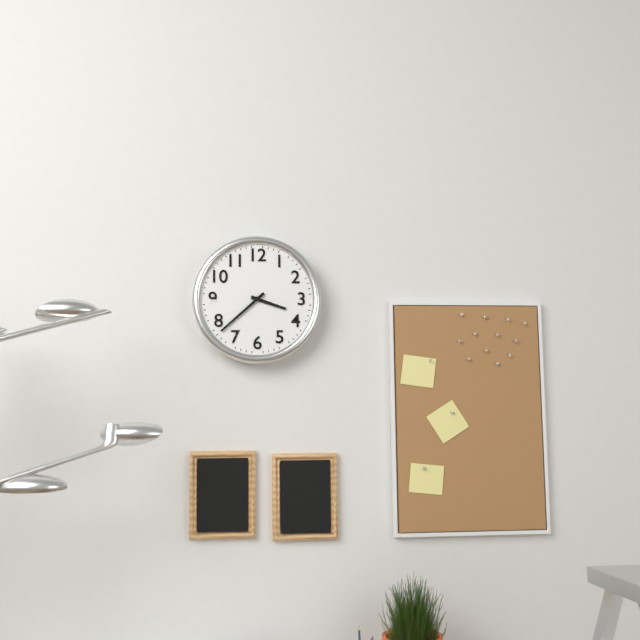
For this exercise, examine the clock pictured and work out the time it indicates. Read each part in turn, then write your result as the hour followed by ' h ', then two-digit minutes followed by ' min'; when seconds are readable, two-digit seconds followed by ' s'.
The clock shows 3 h 38 min
